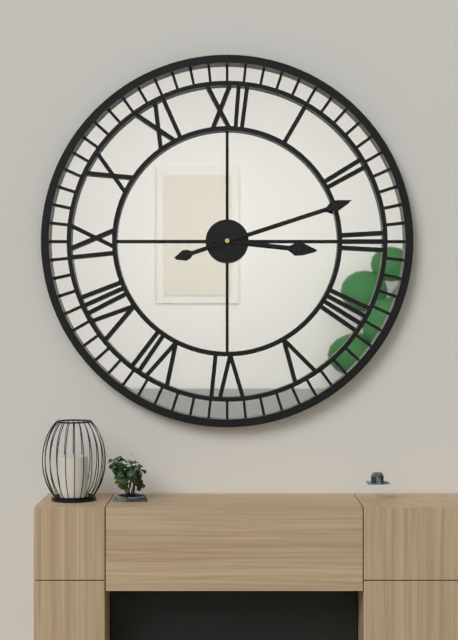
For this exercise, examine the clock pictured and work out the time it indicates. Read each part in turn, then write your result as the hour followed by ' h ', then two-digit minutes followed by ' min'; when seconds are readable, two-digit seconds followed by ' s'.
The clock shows 3 h 12 min
